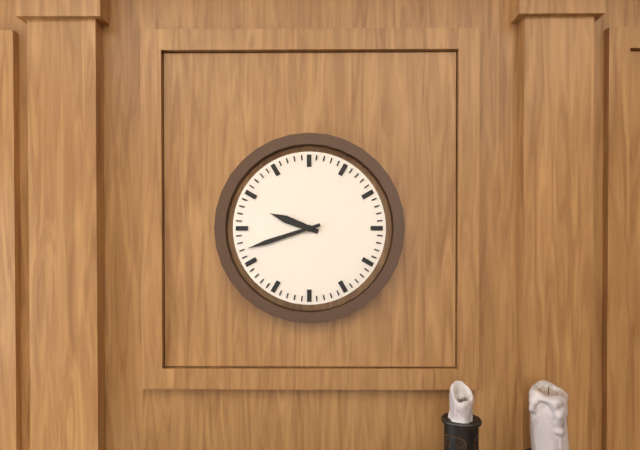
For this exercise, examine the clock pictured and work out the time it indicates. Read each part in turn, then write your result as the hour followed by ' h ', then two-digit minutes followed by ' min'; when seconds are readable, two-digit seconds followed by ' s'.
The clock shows 9 h 42 min
